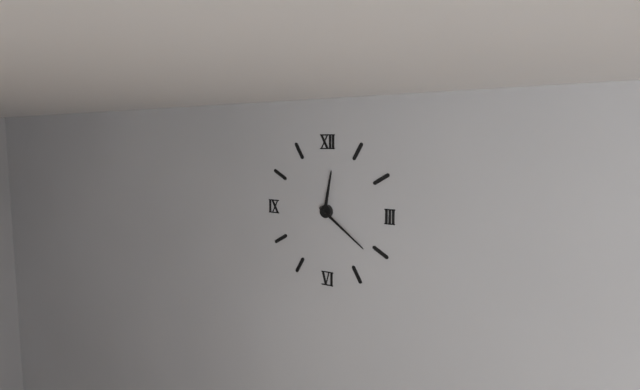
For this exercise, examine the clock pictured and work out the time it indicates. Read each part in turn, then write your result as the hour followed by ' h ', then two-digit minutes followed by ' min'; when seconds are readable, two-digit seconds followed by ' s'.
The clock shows 12 h 21 min
